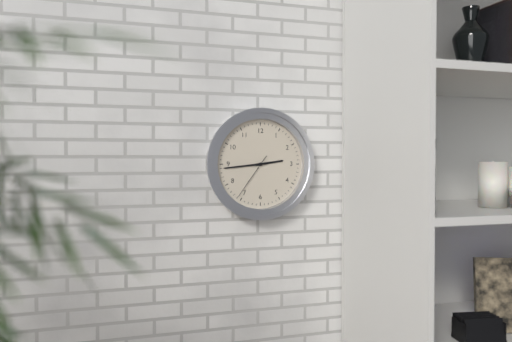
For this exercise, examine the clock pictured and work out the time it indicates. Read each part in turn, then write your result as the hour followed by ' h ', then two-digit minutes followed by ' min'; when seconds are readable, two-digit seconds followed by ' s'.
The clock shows 2 h 44 min 36 s
